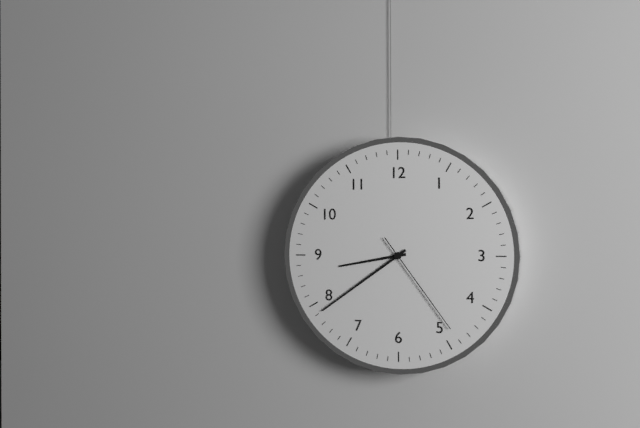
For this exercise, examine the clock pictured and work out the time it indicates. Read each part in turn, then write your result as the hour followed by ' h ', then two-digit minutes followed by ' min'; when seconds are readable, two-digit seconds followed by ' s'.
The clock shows 8 h 39 min 24 s
